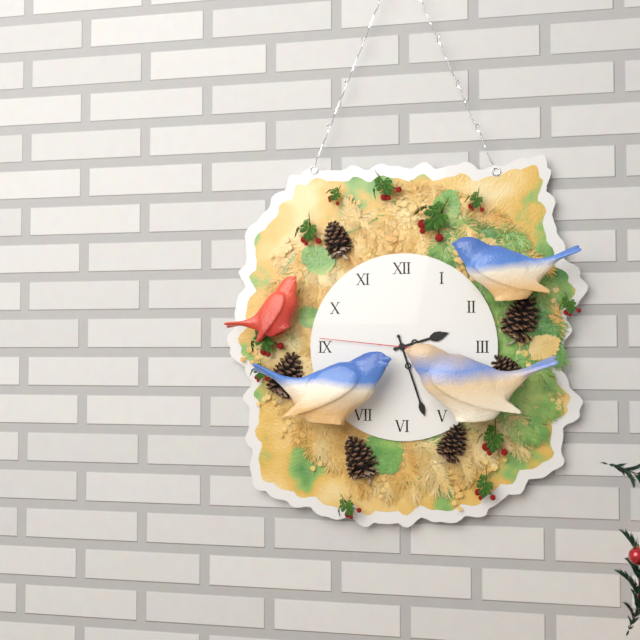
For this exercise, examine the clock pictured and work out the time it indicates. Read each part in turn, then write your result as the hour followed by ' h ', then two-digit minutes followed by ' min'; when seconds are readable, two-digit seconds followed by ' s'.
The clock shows 2 h 27 min 46 s
